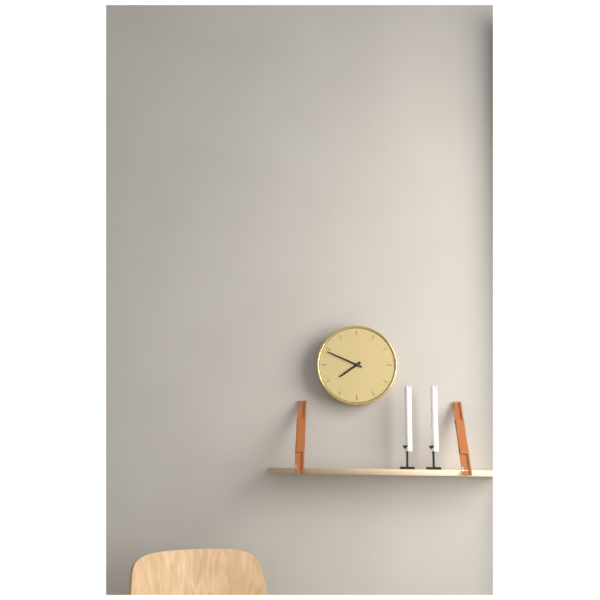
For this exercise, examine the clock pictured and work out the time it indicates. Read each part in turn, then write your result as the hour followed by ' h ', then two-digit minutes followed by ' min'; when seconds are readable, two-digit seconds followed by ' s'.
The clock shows 7 h 49 min
